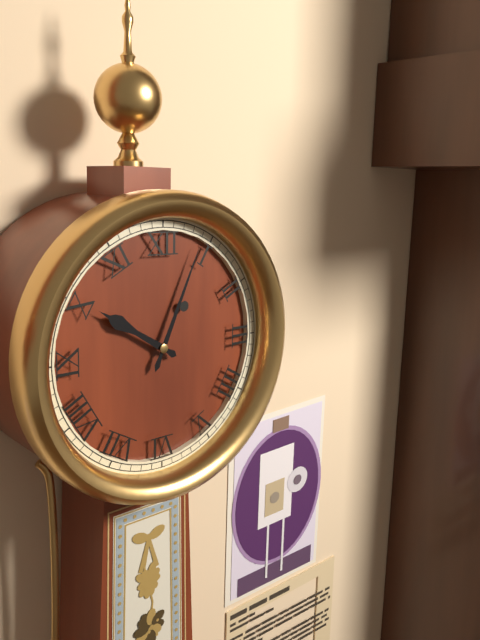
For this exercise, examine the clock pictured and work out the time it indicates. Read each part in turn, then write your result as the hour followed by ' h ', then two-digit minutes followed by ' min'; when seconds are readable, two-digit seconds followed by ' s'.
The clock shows 10 h 04 min
